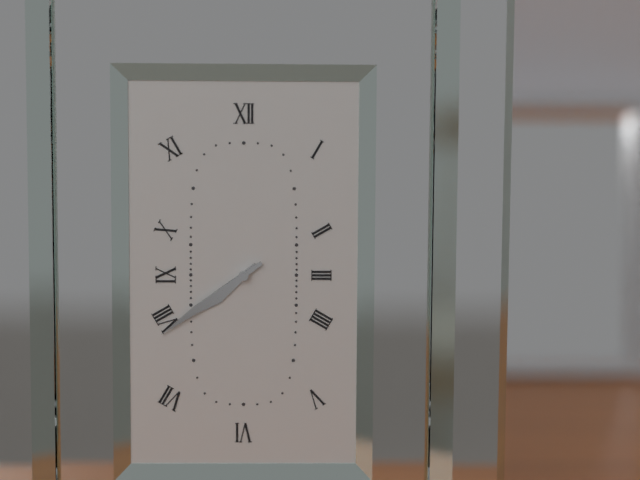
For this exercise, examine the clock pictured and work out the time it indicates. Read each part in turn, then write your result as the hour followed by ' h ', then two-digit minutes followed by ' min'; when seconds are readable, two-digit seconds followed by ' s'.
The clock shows 7 h 39 min
